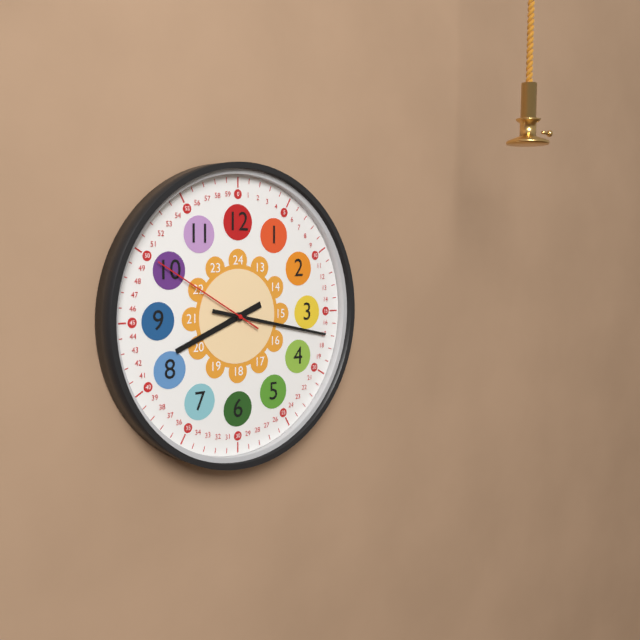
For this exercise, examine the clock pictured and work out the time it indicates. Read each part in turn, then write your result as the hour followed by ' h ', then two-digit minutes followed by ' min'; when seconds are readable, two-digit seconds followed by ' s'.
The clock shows 8 h 17 min 50 s
